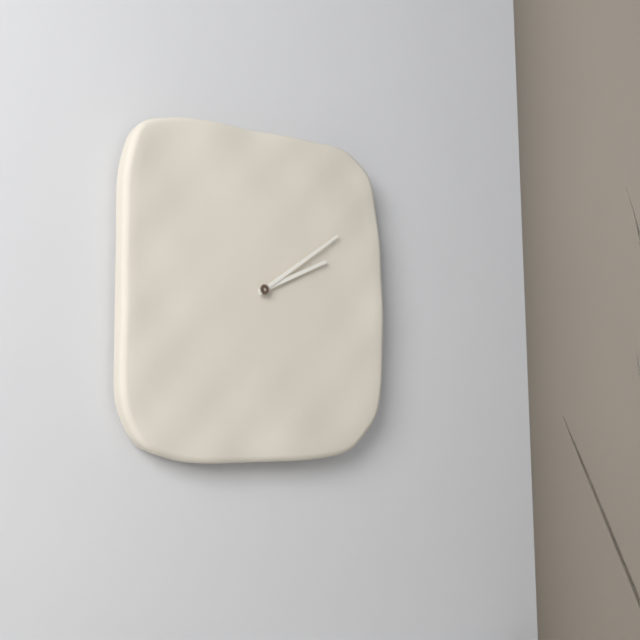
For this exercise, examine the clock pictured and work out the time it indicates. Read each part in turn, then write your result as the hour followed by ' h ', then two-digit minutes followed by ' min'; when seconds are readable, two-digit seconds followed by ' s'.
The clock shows 2 h 09 min
